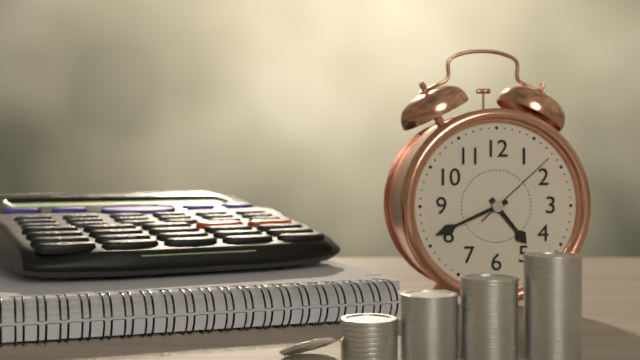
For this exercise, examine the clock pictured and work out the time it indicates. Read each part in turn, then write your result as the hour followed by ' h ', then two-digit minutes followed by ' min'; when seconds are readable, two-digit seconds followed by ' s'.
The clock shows 4 h 41 min 08 s
